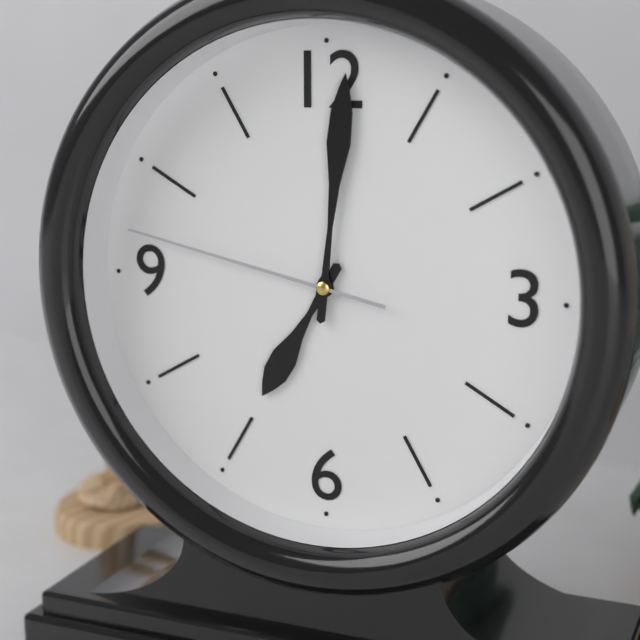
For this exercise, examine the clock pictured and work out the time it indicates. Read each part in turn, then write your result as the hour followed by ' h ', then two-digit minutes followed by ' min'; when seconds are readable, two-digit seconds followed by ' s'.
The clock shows 7 h 01 min 47 s
